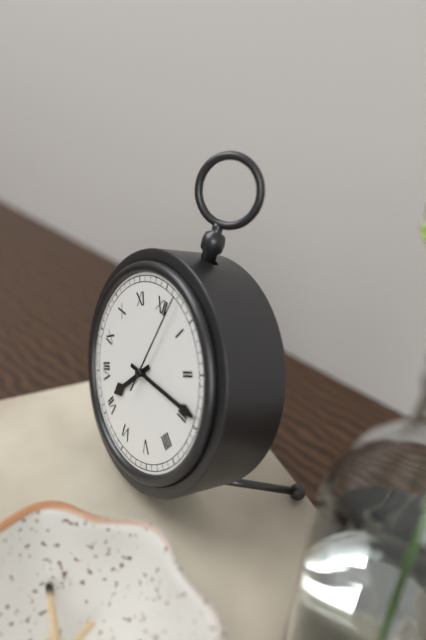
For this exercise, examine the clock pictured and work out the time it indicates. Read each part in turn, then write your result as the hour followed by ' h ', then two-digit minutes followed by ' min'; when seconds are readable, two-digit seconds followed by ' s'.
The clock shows 7 h 14 min 02 s
